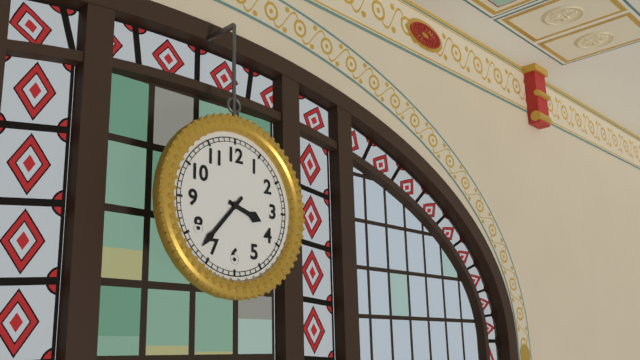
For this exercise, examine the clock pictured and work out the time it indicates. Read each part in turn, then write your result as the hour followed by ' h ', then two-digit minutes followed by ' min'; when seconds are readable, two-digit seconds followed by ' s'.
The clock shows 3 h 37 min
